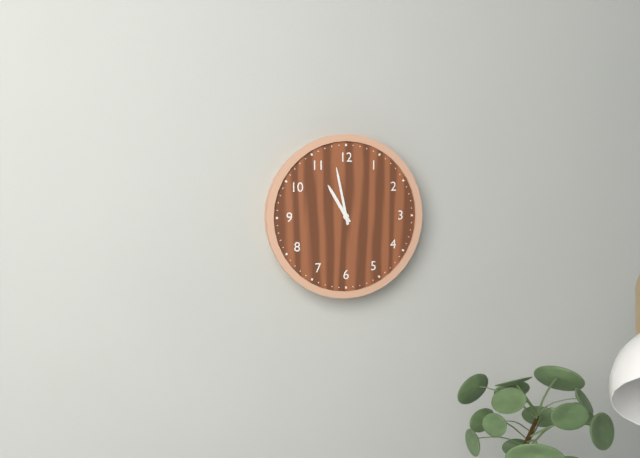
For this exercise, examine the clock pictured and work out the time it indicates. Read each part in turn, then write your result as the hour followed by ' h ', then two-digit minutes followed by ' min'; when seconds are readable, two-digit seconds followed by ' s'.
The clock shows 10 h 58 min
